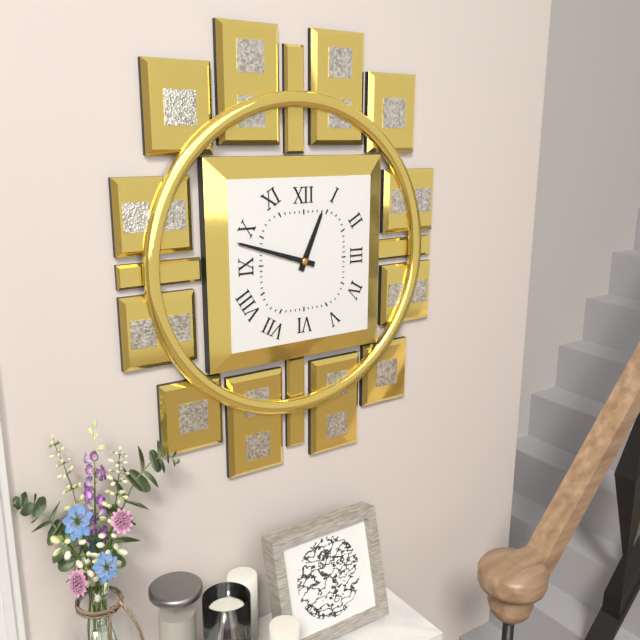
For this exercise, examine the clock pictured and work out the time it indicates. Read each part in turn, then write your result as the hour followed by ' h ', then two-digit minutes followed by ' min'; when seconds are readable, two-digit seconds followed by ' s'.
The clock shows 12 h 48 min
